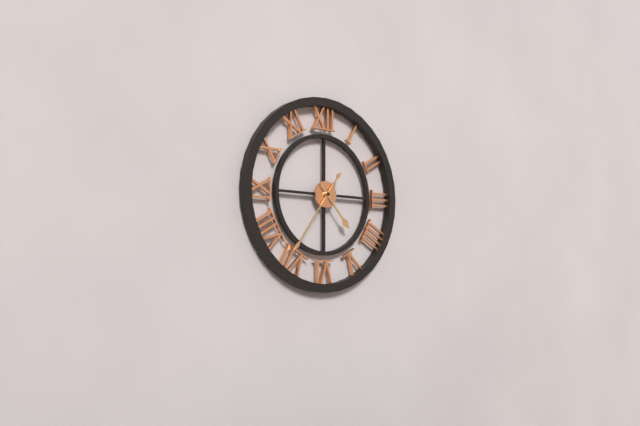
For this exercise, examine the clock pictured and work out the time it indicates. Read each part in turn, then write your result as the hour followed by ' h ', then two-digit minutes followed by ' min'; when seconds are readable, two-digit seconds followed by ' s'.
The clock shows 4 h 36 min
